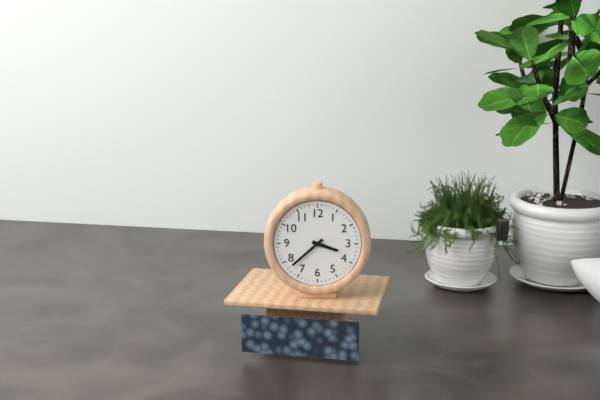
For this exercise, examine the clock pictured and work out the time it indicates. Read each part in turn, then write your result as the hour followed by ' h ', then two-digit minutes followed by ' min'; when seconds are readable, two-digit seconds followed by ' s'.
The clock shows 3 h 38 min
